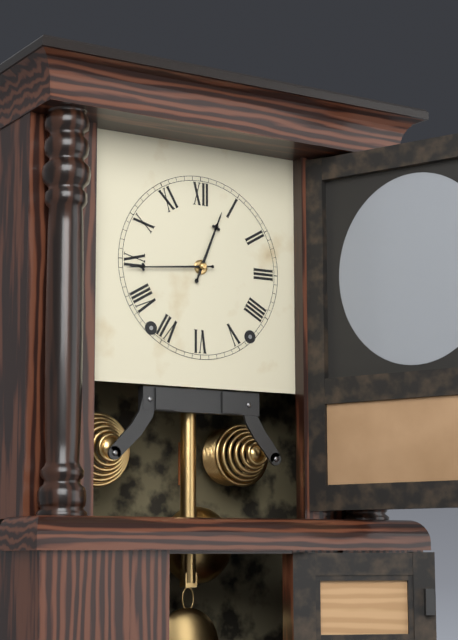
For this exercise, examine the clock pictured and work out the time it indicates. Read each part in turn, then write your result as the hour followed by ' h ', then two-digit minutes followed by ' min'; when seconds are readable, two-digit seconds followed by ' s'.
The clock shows 12 h 44 min
